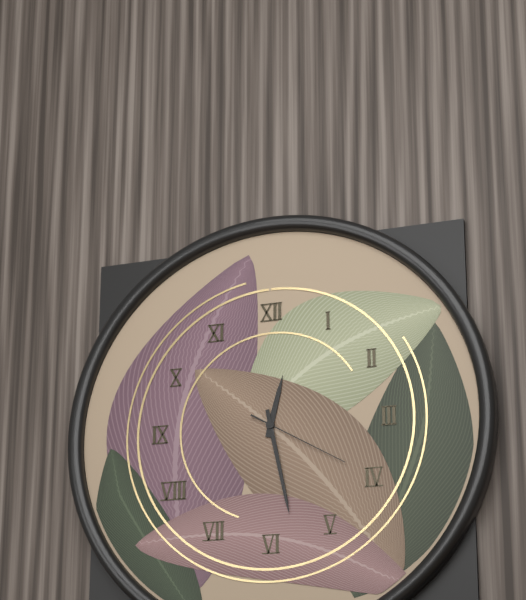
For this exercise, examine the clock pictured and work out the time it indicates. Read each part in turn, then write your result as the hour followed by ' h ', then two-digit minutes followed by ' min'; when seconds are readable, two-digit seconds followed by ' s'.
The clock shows 12 h 28 min 20 s
